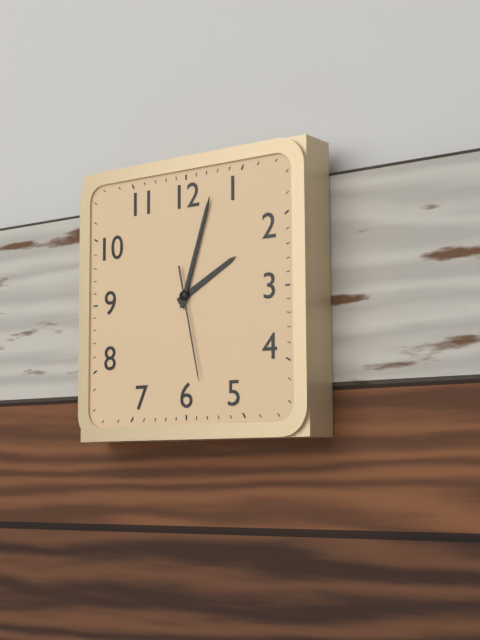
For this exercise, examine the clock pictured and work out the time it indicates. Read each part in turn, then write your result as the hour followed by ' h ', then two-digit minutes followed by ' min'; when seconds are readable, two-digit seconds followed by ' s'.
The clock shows 2 h 03 min 28 s
